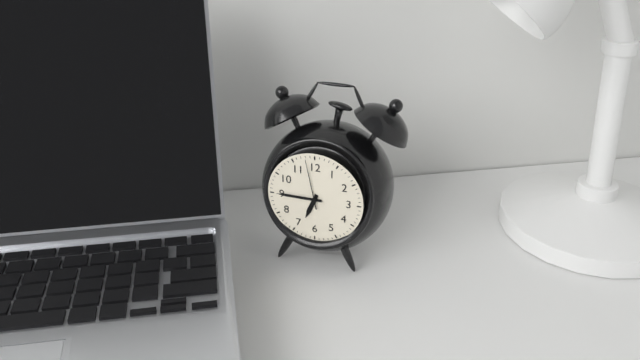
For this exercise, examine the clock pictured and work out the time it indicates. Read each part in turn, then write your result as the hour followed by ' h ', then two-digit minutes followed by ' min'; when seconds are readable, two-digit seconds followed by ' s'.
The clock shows 6 h 45 min 58 s
